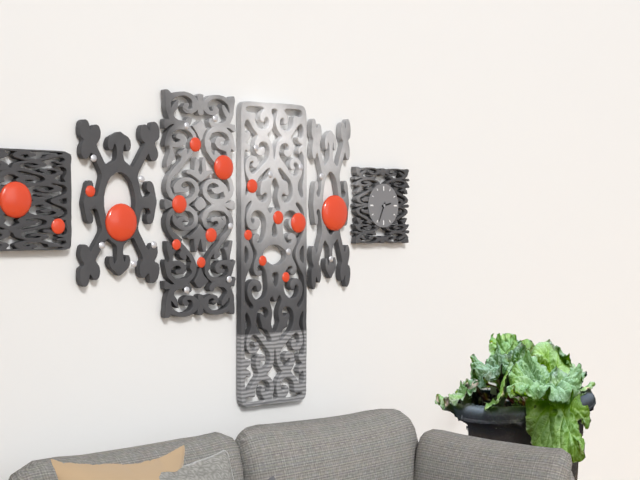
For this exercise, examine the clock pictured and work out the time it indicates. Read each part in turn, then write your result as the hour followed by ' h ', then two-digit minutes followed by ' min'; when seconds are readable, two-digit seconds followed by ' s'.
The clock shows 2 h 34 min
